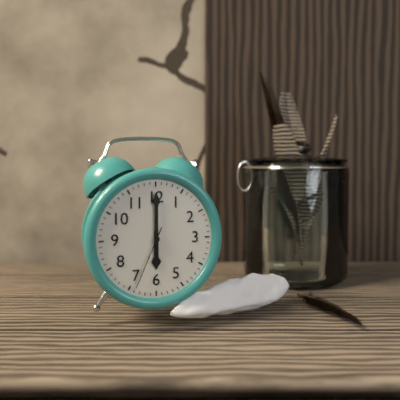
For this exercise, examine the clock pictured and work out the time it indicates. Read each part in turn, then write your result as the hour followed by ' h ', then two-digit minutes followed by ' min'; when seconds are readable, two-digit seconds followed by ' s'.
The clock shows 6 h 00 min 34 s
